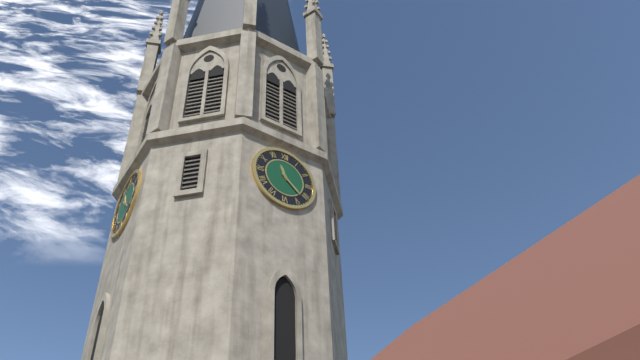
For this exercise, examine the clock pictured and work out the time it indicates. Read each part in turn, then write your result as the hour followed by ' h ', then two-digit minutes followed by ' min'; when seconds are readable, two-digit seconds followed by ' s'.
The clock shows 11 h 22 min
